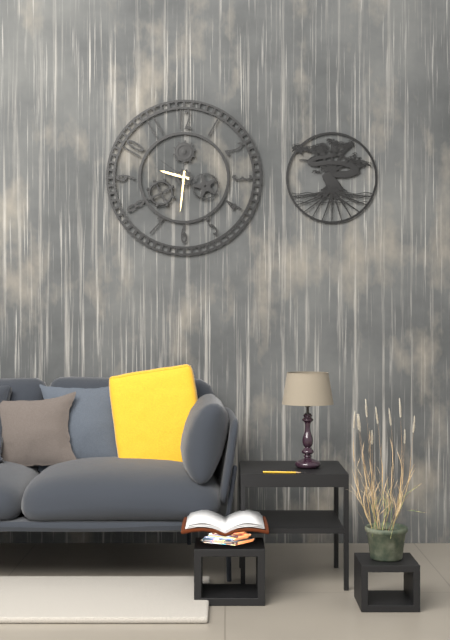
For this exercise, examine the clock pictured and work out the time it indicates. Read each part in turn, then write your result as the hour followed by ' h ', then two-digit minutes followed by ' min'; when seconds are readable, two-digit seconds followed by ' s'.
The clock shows 9 h 31 min
